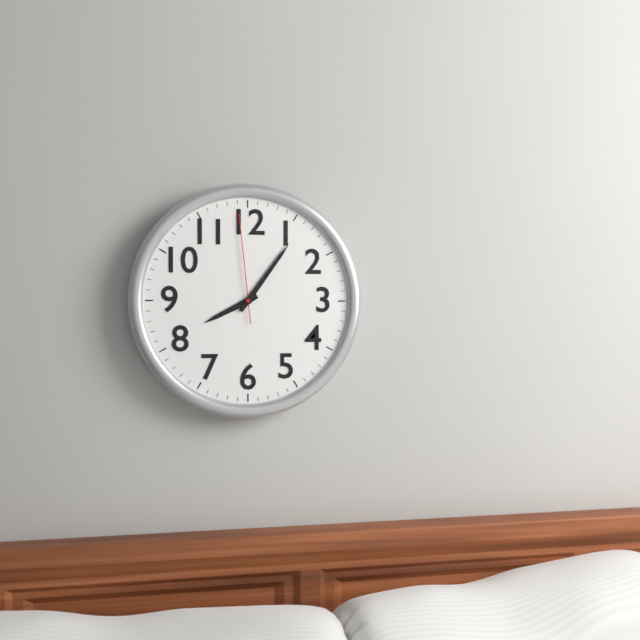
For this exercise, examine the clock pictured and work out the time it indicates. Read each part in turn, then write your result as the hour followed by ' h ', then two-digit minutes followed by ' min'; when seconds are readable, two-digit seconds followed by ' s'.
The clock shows 8 h 06 min 59 s
